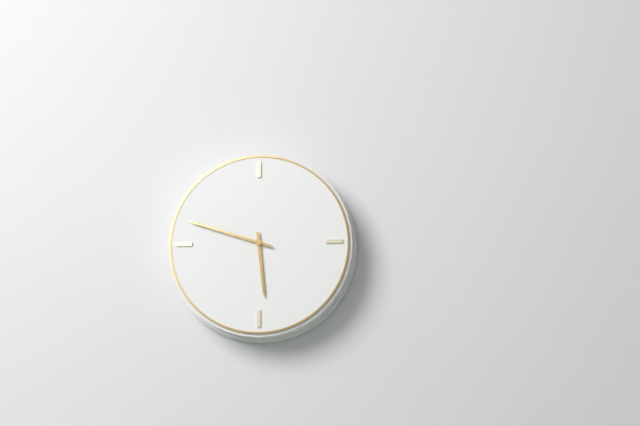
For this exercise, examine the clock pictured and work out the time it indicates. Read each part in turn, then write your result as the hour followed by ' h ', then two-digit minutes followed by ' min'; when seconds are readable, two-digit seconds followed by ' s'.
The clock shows 5 h 48 min
